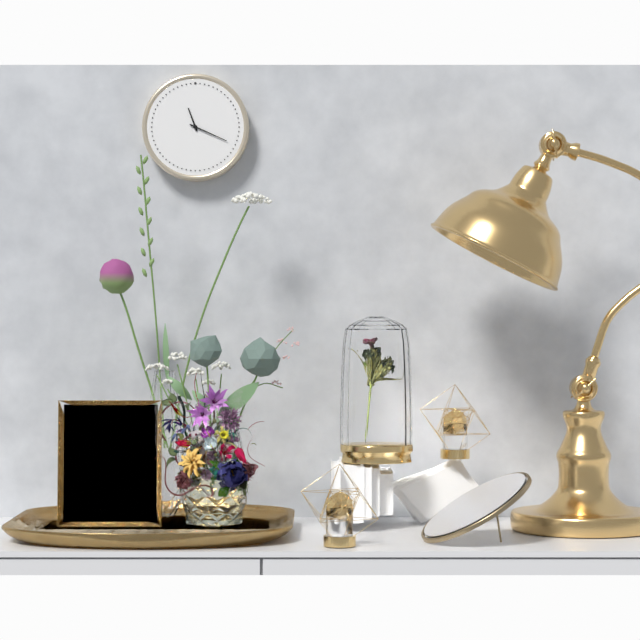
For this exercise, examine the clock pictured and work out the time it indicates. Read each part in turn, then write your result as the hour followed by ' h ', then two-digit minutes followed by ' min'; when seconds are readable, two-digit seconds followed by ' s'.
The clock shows 11 h 19 min
